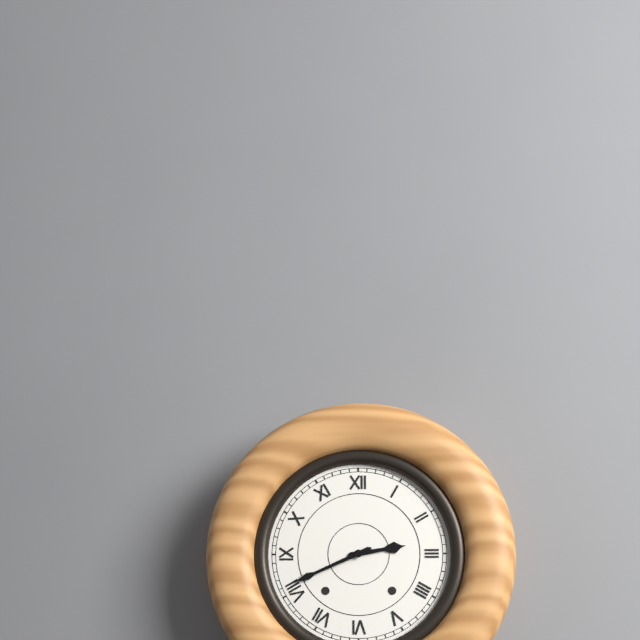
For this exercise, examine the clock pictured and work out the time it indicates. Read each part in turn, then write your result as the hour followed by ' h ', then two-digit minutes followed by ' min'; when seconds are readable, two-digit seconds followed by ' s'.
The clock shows 2 h 41 min
